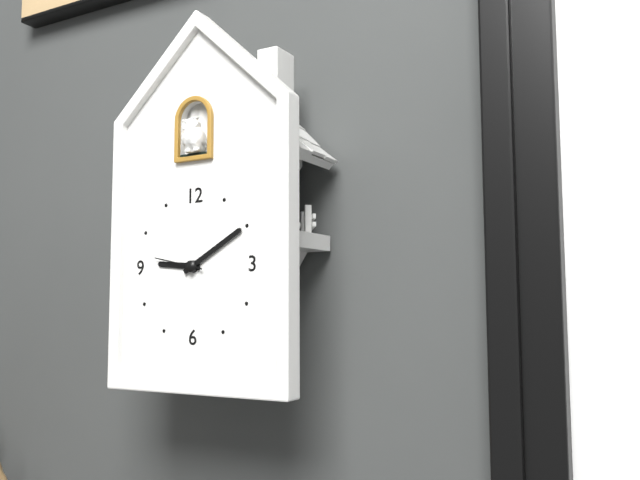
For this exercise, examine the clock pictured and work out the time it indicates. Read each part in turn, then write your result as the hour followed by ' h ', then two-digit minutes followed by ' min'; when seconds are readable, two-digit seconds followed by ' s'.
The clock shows 9 h 10 min 47 s
